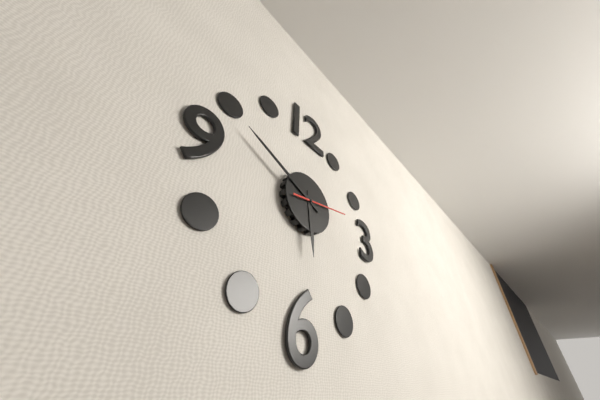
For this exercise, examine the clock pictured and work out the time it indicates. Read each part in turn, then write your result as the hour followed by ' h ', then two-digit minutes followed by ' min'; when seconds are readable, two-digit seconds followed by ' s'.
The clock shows 5 h 49 min
